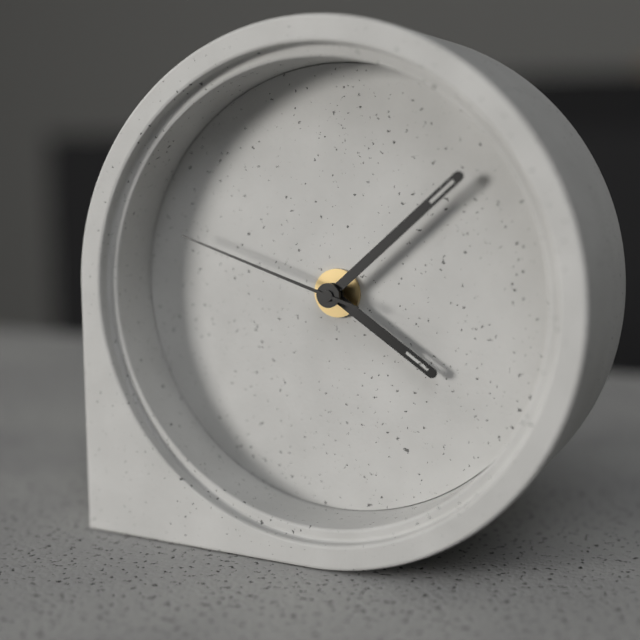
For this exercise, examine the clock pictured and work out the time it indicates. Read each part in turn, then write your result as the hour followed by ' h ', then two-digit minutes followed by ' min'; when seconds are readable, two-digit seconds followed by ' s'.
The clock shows 4 h 08 min 48 s
